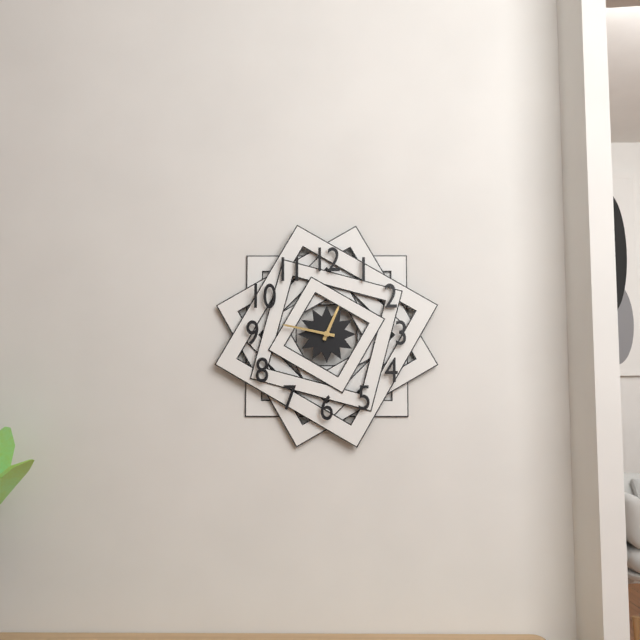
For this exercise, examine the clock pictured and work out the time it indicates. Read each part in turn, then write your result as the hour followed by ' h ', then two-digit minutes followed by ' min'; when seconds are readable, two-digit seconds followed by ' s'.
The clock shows 12 h 47 min
